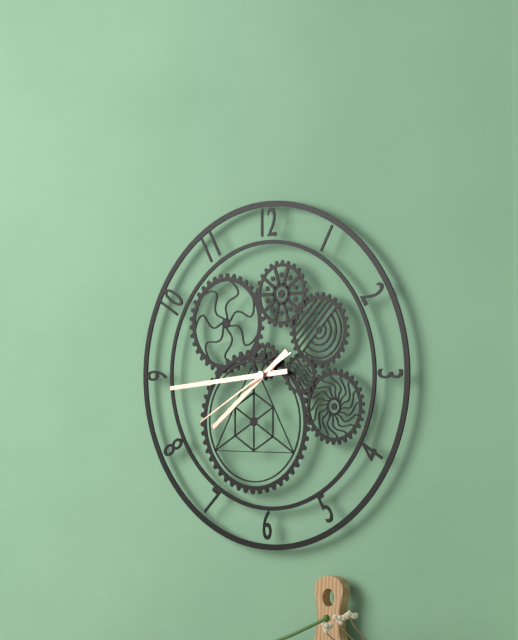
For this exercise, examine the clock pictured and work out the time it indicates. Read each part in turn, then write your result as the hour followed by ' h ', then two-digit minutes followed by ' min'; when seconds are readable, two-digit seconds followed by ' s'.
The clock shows 7 h 44 min 40 s
